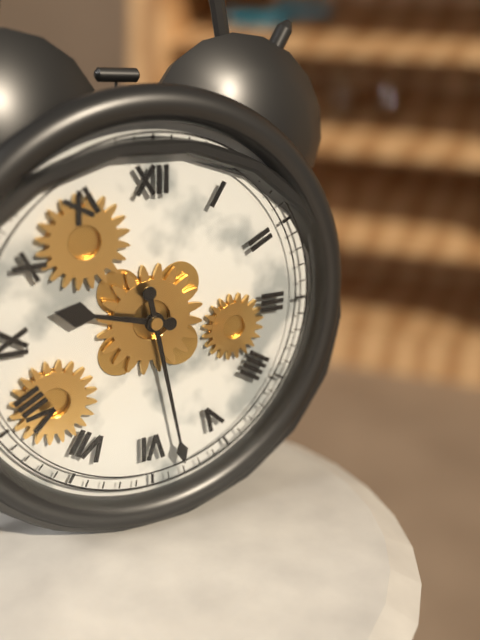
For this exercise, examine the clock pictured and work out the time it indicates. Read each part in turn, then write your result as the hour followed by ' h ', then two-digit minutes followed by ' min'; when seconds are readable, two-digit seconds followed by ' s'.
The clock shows 9 h 28 min
